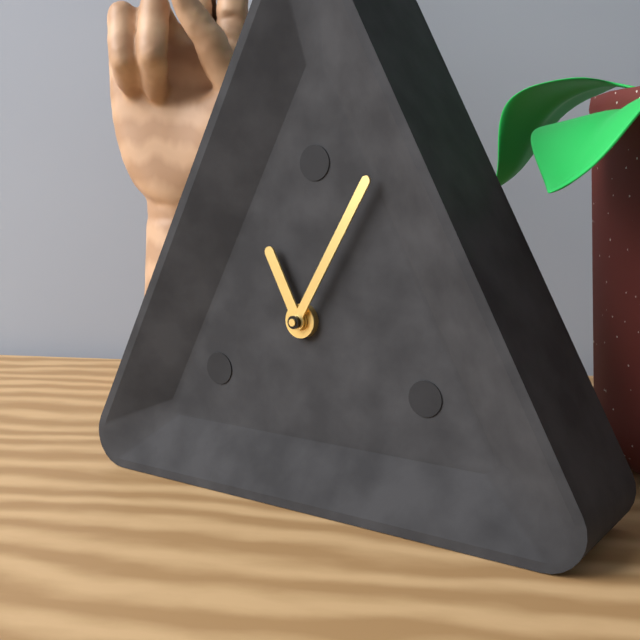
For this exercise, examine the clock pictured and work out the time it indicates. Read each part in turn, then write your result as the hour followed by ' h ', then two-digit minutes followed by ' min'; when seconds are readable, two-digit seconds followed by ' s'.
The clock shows 11 h 05 min
